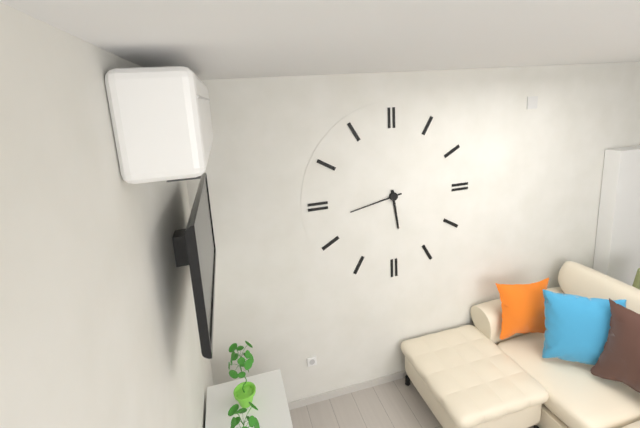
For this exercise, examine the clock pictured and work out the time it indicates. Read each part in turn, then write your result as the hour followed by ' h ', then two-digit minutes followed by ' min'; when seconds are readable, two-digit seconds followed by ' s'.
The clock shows 5 h 43 min
